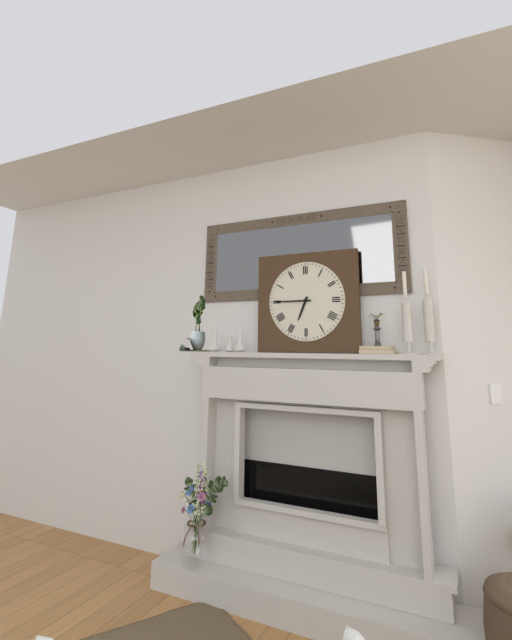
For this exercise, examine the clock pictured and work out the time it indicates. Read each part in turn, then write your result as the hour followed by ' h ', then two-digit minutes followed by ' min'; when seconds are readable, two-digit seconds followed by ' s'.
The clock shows 6 h 45 min
